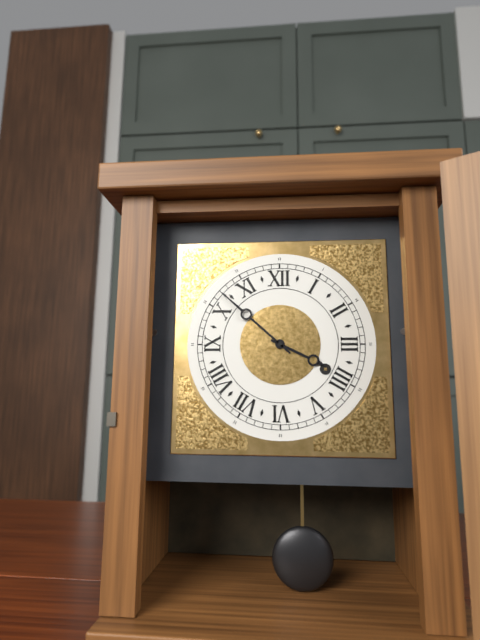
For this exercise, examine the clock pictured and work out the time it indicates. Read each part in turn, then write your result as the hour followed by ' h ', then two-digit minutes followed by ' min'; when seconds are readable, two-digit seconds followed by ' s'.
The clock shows 3 h 52 min
